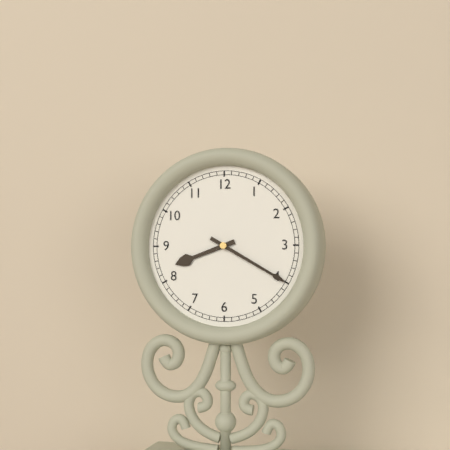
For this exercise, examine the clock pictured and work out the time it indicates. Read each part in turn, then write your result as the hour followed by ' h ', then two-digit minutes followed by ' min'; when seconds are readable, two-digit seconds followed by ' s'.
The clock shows 8 h 20 min
